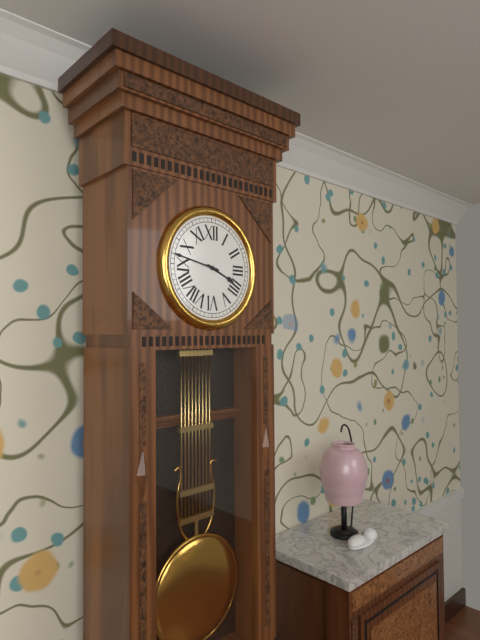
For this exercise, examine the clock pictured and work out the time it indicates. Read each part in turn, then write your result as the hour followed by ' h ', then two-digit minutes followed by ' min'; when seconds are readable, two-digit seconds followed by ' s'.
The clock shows 3 h 47 min
